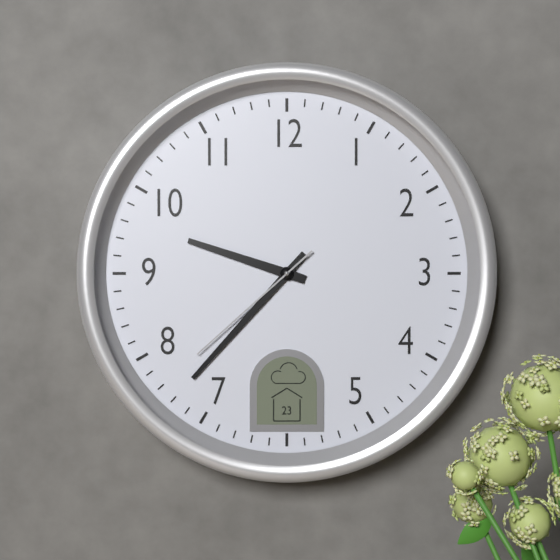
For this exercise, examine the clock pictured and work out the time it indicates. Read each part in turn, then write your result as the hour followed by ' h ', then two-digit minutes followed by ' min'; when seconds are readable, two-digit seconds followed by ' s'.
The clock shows 9 h 37 min 38 s
